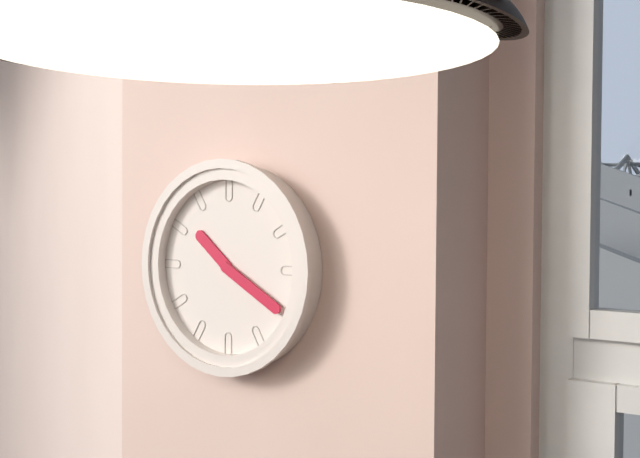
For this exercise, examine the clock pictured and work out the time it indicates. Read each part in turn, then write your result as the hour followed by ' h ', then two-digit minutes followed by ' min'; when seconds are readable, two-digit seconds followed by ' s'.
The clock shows 10 h 20 min
